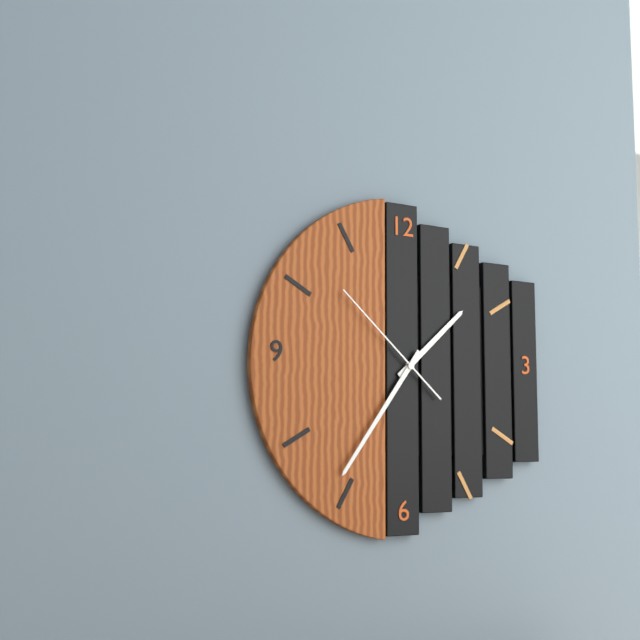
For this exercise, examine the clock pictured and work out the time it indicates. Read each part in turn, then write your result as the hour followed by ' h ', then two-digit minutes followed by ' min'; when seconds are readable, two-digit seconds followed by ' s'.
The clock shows 1 h 36 min 52 s
